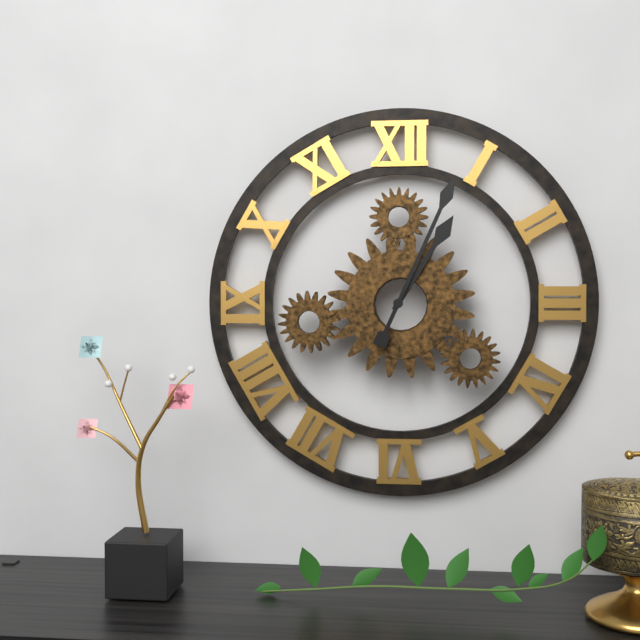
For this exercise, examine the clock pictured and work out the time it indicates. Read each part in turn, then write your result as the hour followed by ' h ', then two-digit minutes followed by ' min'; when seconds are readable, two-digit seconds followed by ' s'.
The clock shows 1 h 04 min
